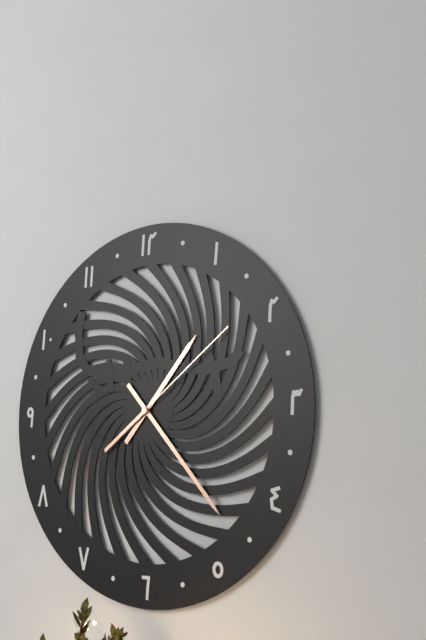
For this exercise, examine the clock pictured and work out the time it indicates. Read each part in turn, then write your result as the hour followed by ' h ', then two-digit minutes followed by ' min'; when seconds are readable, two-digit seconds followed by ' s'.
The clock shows 1 h 23 min 09 s
